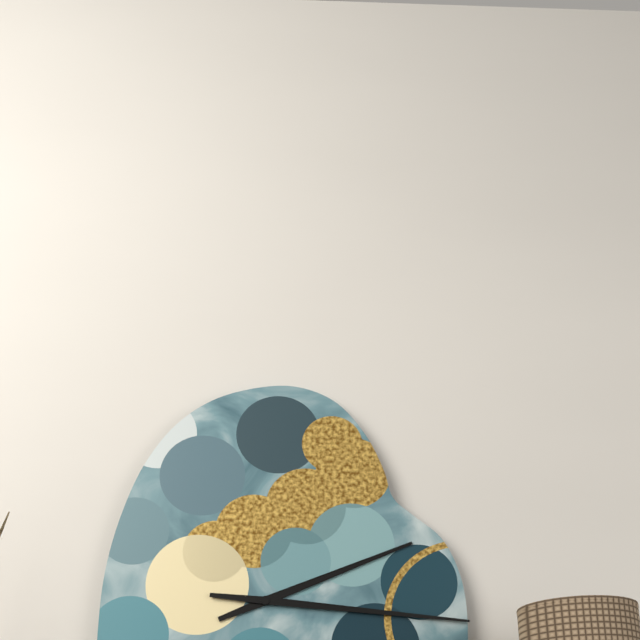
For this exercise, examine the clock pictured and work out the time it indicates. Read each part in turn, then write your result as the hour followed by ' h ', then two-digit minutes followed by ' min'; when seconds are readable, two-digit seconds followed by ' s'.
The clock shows 2 h 16 min
